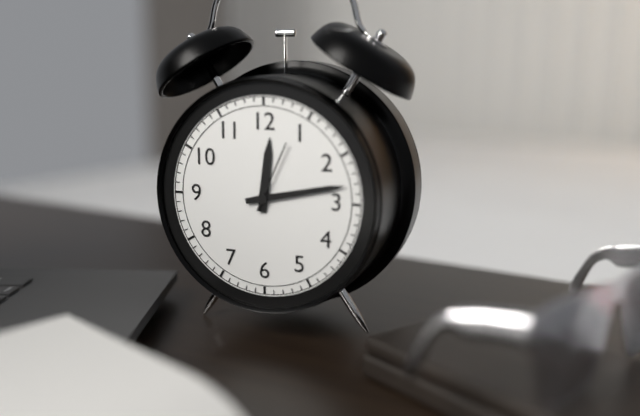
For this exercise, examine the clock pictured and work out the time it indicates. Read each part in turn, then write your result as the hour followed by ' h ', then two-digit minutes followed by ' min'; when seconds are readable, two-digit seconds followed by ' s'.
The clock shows 12 h 13 min 04 s
